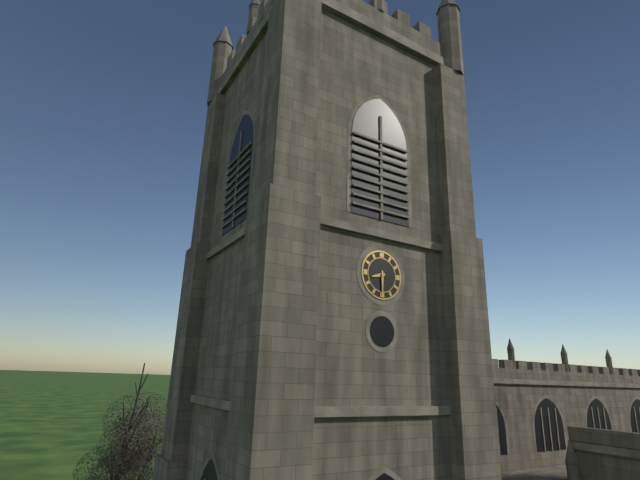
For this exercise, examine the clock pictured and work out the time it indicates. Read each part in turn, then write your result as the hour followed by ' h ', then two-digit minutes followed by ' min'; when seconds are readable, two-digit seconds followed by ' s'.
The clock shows 8 h 30 min
